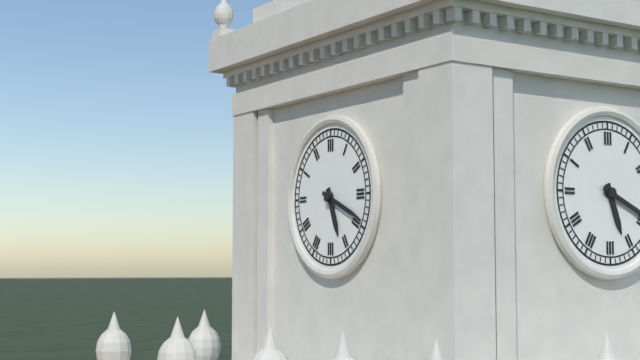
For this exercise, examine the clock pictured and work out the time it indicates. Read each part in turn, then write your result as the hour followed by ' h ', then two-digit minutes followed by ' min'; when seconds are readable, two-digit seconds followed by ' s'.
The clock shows 5 h 19 min
